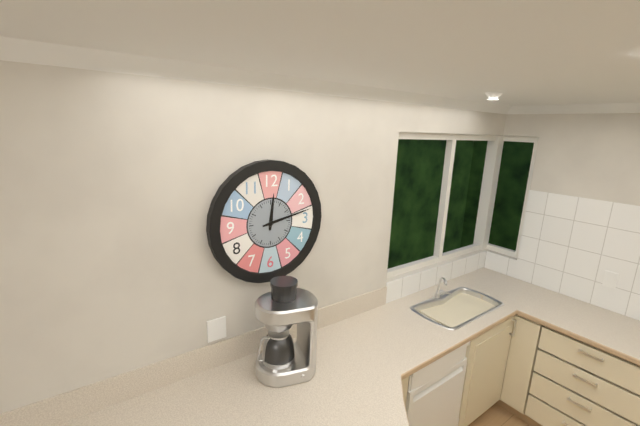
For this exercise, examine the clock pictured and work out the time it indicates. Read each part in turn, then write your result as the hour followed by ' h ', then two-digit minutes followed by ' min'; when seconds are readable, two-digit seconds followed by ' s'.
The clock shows 12 h 13 min
